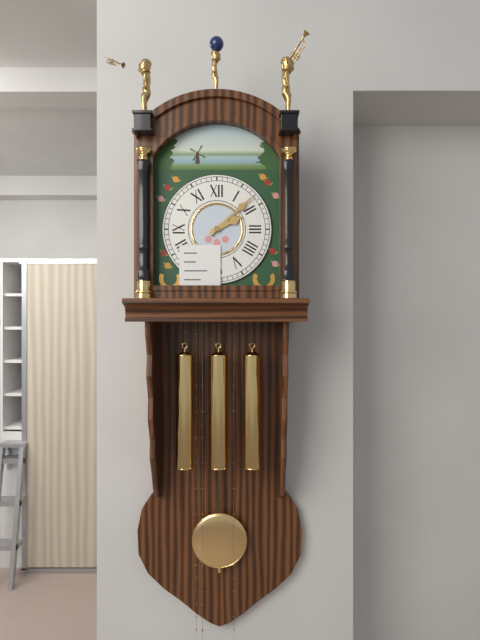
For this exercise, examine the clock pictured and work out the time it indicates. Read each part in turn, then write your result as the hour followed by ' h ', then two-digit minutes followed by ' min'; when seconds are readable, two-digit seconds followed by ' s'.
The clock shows 2 h 08 min
